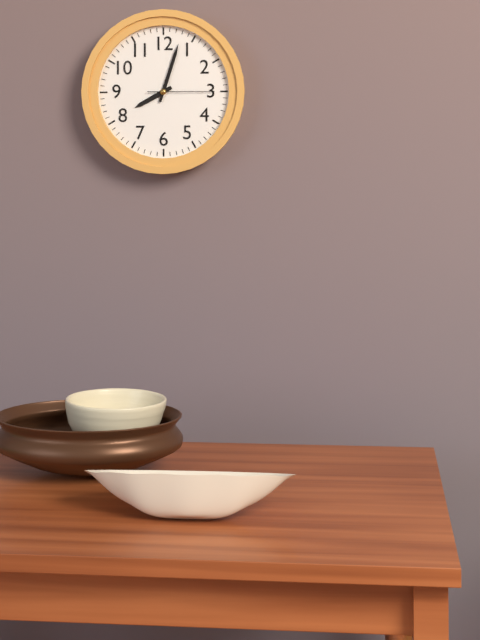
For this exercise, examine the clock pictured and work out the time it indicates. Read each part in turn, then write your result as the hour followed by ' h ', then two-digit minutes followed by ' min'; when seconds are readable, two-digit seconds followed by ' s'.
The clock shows 8 h 03 min 15 s
